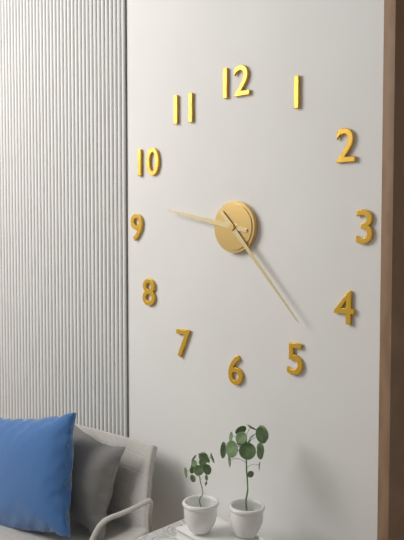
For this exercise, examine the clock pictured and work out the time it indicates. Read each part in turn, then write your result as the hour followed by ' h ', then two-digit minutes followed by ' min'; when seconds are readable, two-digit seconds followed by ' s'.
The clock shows 9 h 23 min
